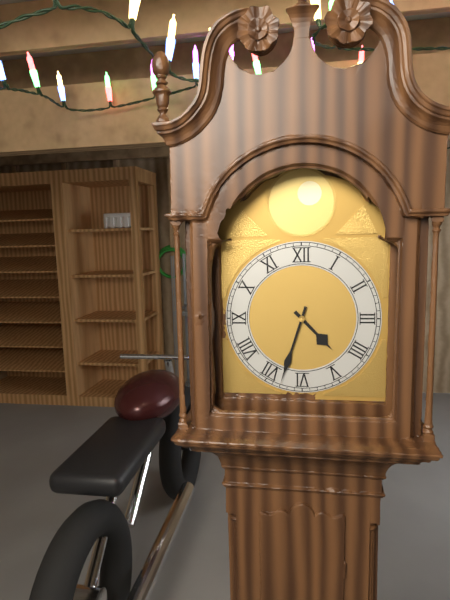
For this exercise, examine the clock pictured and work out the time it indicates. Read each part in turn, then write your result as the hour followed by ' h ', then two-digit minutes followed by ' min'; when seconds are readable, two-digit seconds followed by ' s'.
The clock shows 4 h 33 min
